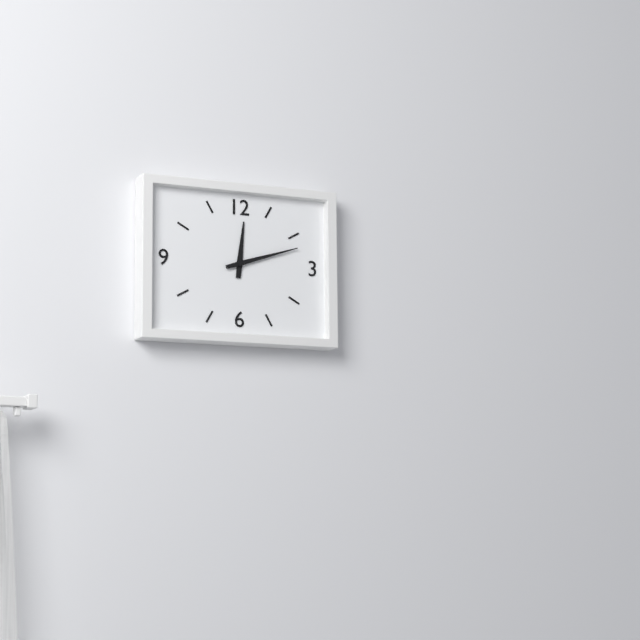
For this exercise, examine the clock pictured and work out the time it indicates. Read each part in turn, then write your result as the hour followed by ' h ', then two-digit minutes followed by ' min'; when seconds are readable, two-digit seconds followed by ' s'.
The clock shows 12 h 12 min
